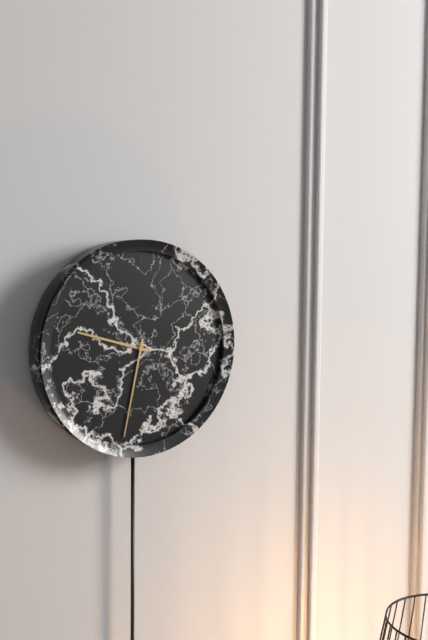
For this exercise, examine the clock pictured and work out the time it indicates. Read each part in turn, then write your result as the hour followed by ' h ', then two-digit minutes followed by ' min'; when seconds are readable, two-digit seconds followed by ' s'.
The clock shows 9 h 32 min
